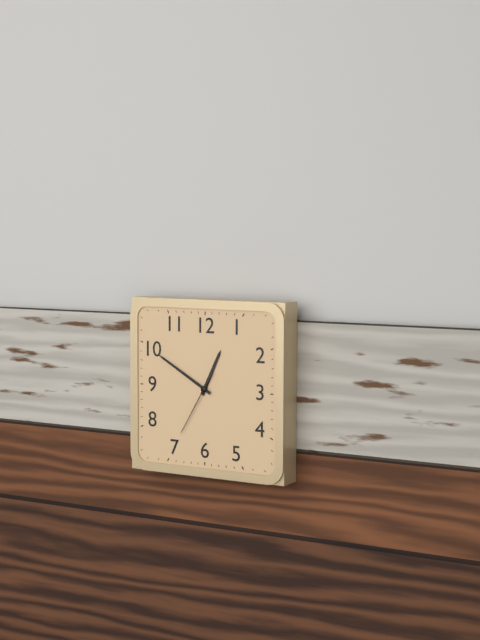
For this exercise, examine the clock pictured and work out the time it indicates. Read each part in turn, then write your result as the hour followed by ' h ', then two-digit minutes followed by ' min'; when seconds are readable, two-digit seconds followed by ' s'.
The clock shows 12 h 50 min 35 s
